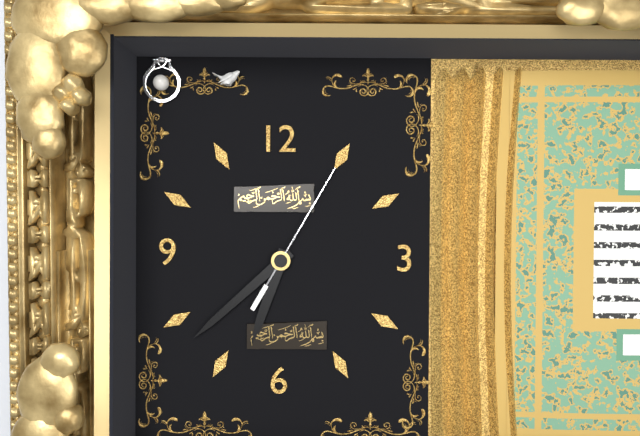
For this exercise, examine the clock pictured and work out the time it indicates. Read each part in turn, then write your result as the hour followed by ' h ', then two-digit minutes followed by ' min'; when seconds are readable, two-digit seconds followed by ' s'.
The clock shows 6 h 38 min 05 s
